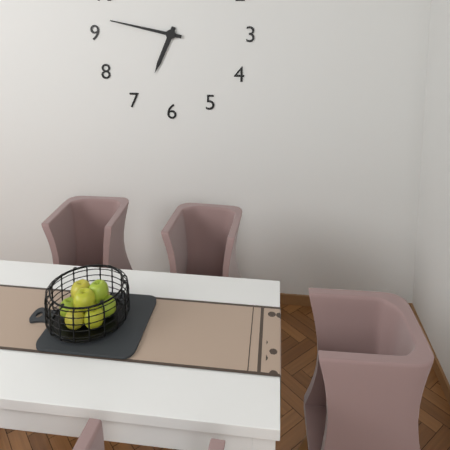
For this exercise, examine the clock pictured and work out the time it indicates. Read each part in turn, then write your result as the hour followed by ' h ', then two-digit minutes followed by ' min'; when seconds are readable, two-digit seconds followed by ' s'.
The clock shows 6 h 47 min
